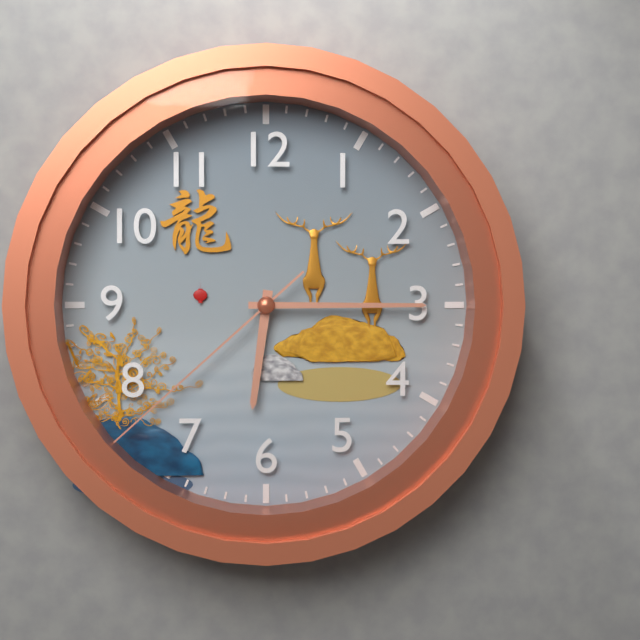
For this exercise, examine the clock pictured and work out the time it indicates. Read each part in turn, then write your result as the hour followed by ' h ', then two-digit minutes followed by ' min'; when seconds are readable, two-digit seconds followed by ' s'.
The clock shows 6 h 15 min 38 s
